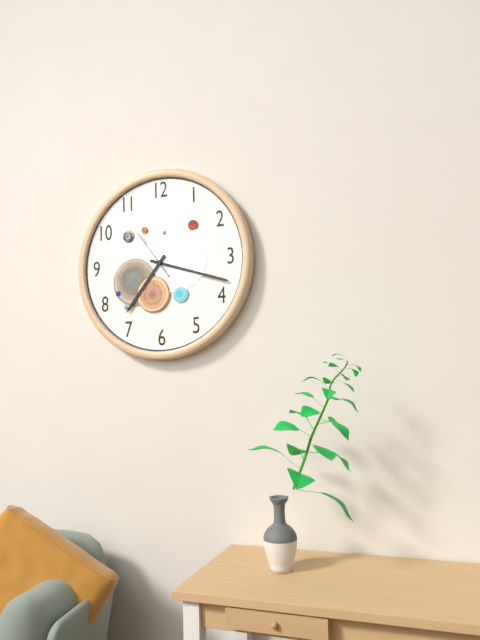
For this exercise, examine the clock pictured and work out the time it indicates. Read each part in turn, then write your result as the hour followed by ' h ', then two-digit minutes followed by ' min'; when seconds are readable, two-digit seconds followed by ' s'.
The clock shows 7 h 18 min
